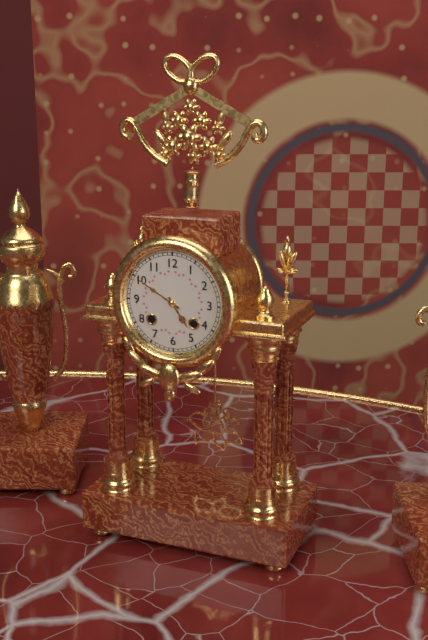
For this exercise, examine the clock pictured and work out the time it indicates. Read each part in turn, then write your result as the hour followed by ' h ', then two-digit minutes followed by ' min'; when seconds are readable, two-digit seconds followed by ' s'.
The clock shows 4 h 50 min
